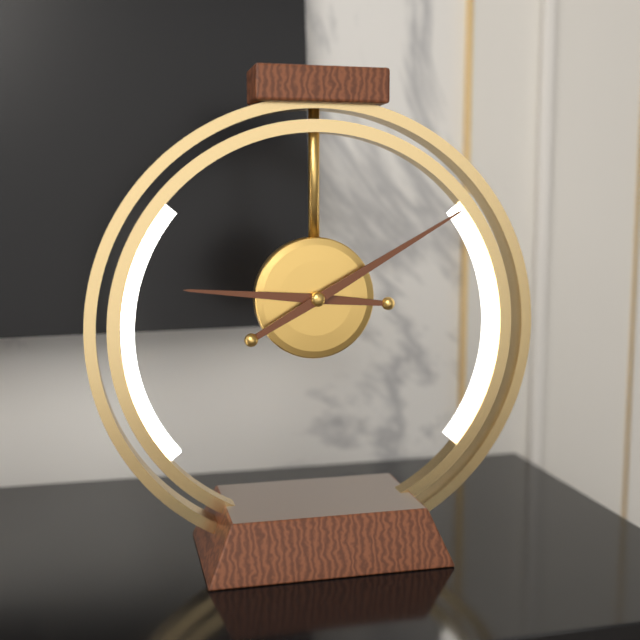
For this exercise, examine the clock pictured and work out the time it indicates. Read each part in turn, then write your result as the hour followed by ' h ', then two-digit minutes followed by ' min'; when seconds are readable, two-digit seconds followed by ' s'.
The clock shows 9 h 10 min
